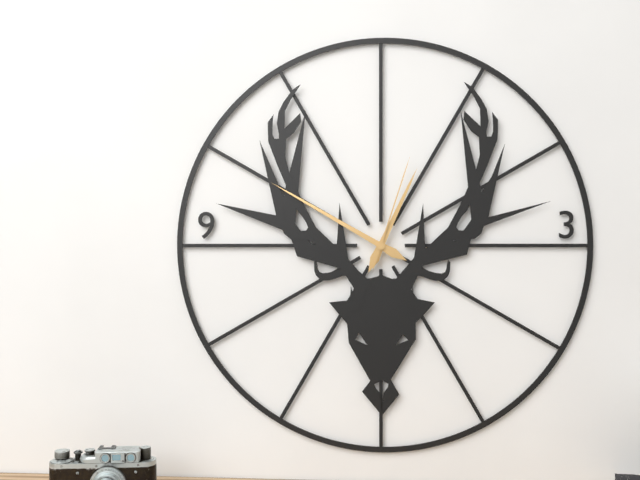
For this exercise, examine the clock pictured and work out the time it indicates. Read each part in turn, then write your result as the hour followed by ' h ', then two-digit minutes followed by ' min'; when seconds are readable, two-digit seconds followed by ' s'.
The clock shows 12 h 50 min 03 s
